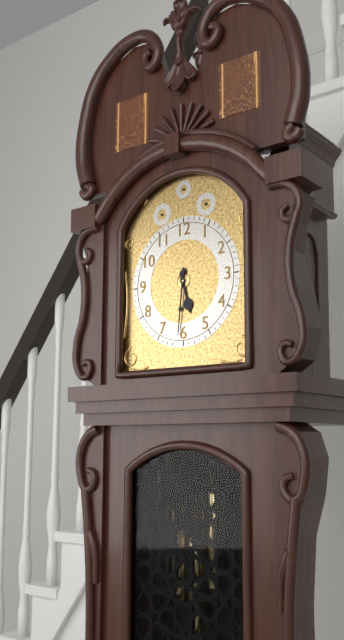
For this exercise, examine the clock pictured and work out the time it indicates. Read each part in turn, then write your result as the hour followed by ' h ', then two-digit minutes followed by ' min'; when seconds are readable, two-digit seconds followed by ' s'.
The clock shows 5 h 31 min
